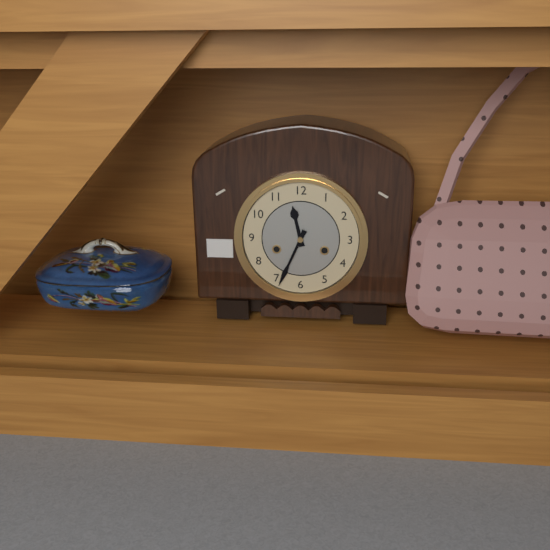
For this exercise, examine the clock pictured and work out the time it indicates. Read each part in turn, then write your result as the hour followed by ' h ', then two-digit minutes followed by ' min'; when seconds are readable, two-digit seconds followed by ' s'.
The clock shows 11 h 34 min
